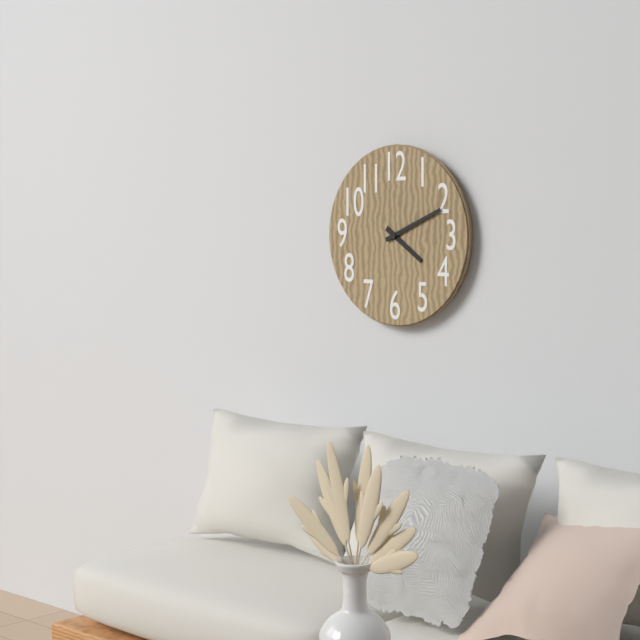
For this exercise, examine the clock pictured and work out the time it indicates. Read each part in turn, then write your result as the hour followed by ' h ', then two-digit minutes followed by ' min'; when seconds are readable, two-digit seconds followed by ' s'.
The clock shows 4 h 11 min
